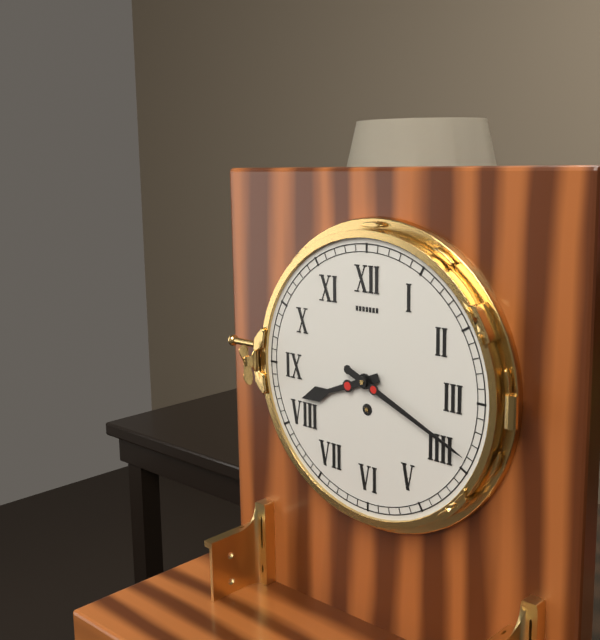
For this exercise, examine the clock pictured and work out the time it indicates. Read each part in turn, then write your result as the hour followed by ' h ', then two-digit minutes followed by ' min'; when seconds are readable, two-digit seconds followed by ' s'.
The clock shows 8 h 19 min
